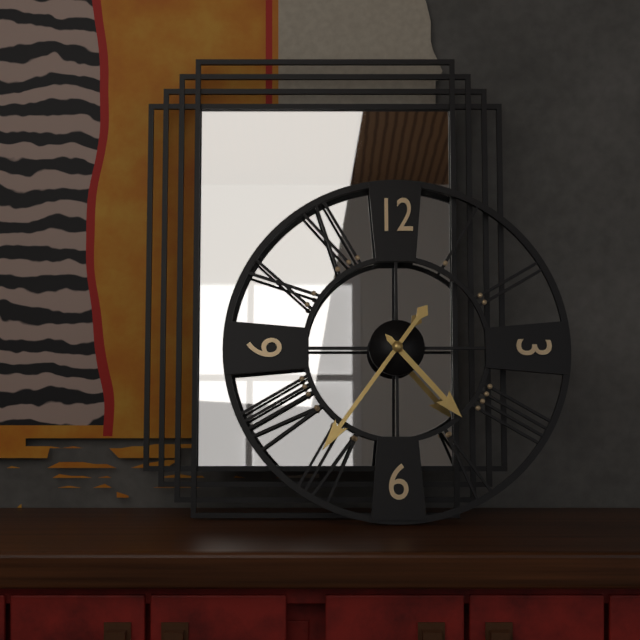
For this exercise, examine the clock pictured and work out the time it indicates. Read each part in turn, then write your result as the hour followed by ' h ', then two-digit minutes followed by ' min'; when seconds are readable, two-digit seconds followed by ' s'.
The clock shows 4 h 36 min
